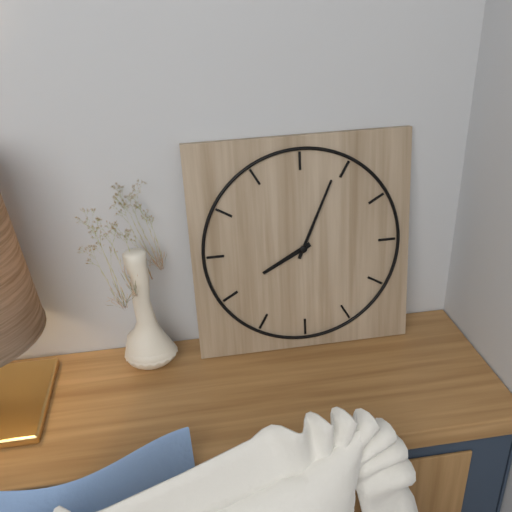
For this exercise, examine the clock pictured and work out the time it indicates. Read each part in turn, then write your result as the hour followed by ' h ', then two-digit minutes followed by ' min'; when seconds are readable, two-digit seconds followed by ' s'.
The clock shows 8 h 04 min
